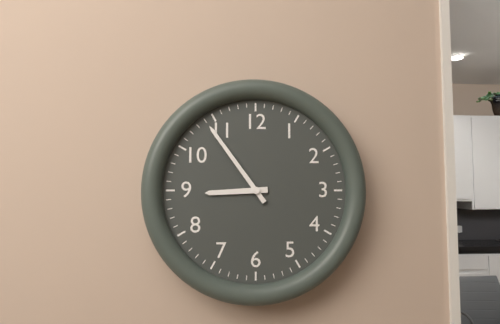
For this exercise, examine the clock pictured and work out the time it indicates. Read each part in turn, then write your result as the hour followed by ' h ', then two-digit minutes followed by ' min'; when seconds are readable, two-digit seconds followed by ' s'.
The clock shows 8 h 54 min
